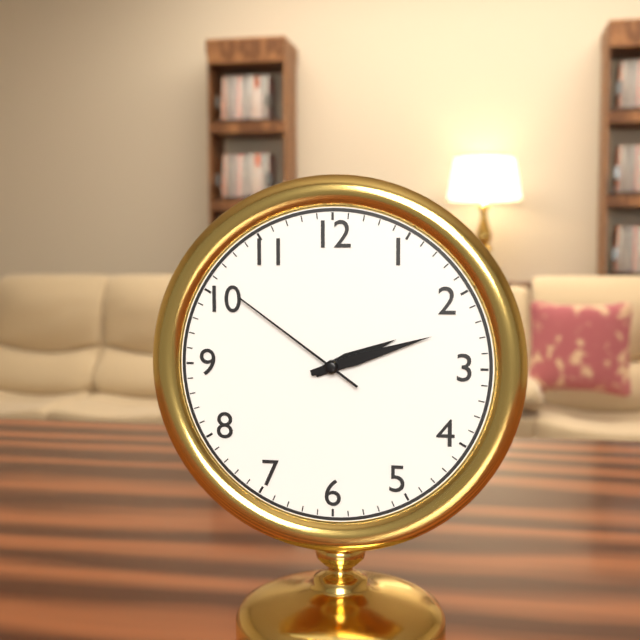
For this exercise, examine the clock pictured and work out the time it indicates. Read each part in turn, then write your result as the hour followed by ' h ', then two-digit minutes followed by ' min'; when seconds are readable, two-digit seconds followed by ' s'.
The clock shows 2 h 12 min 51 s
